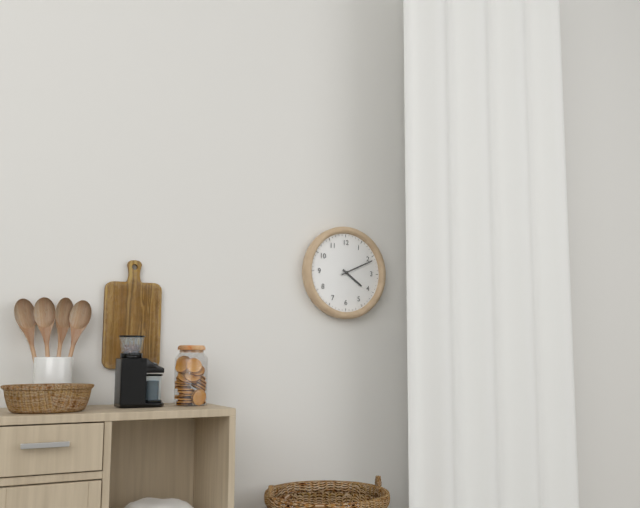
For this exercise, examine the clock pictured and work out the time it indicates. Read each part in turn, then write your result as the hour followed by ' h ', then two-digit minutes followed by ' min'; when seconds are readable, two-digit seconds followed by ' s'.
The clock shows 4 h 11 min
